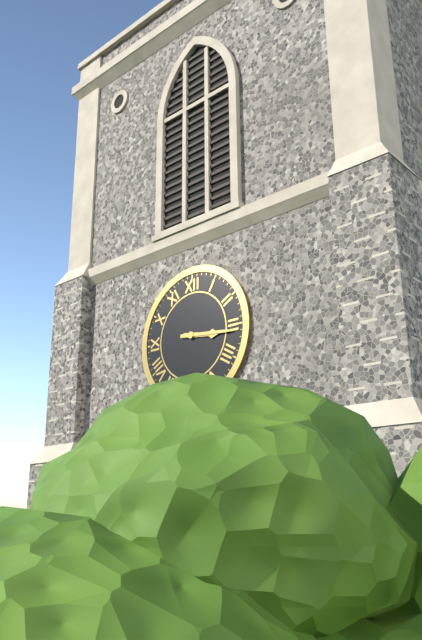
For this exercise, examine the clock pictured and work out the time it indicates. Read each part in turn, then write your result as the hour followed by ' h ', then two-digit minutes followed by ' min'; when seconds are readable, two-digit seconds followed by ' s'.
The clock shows 3 h 16 min
